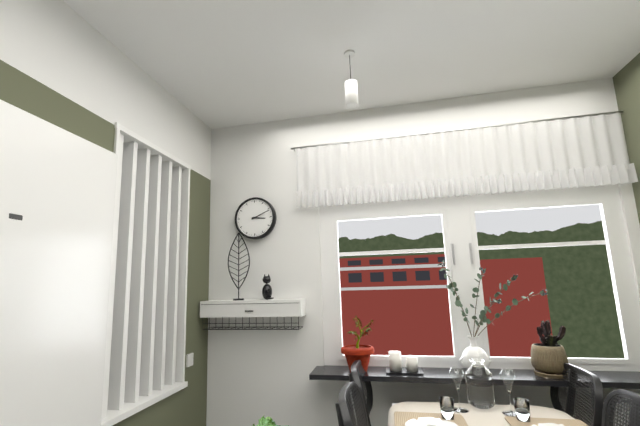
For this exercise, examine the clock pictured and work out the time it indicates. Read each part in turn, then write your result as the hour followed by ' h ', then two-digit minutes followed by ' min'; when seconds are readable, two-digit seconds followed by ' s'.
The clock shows 3 h 11 min
